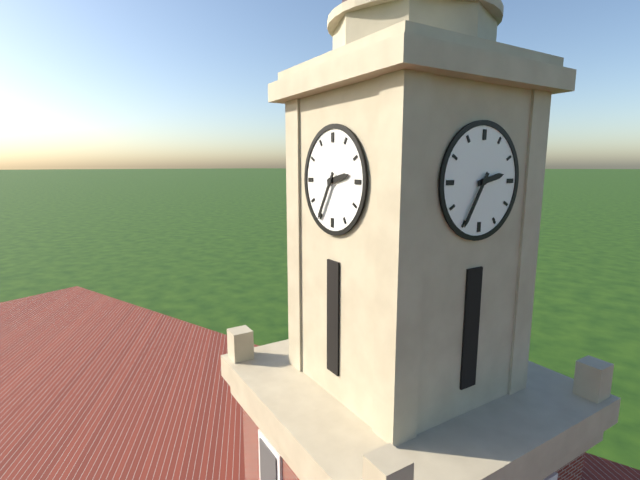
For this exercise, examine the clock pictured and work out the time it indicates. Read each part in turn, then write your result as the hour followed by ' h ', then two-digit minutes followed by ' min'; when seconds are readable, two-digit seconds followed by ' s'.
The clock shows 2 h 35 min
